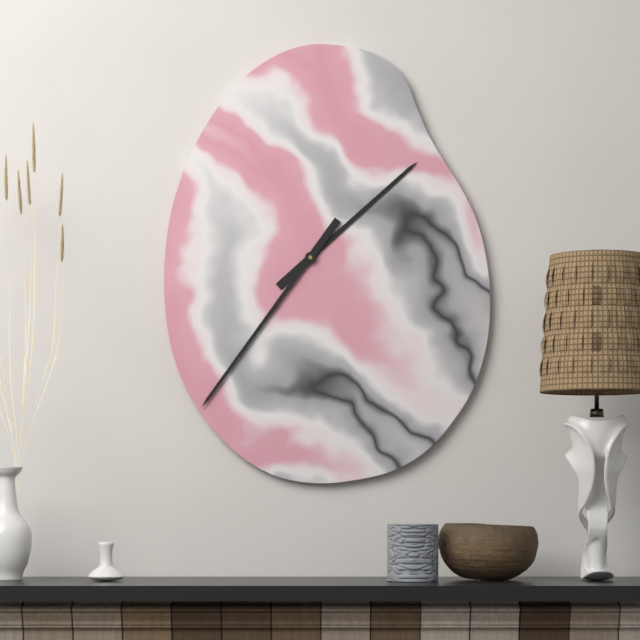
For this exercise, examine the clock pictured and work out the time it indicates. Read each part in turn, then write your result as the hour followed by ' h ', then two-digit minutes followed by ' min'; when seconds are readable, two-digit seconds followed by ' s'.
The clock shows 1 h 36 min
